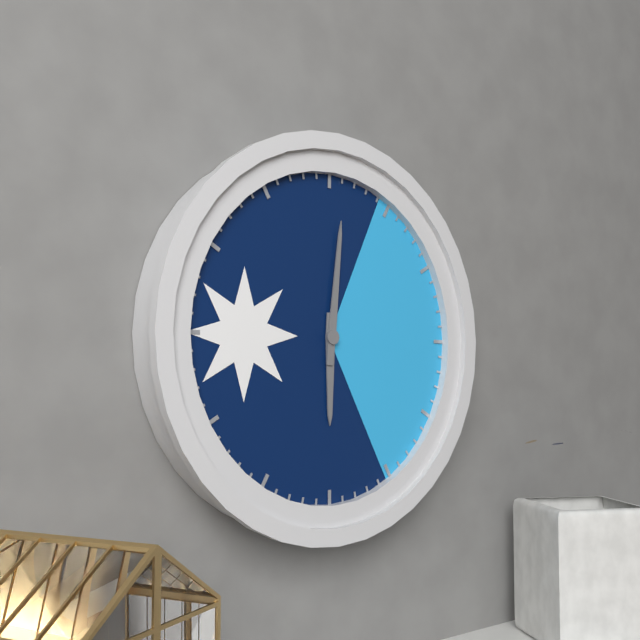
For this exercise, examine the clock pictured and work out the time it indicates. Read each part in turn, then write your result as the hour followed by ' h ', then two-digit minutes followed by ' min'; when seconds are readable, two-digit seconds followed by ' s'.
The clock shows 6 h 01 min
